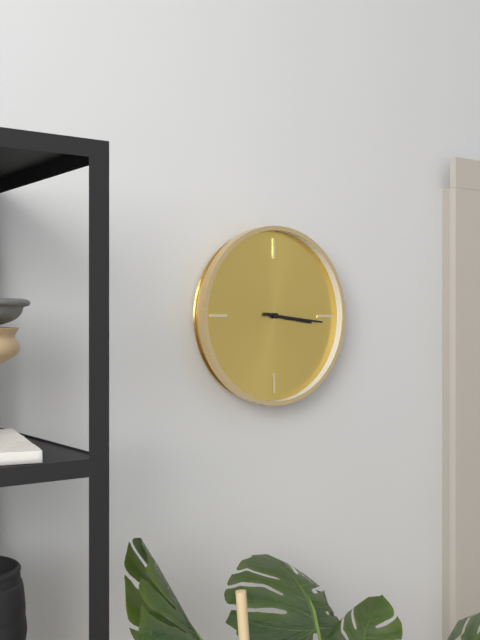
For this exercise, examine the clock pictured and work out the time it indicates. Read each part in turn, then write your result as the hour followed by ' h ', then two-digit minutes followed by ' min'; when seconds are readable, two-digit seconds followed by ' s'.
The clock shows 3 h 16 min
